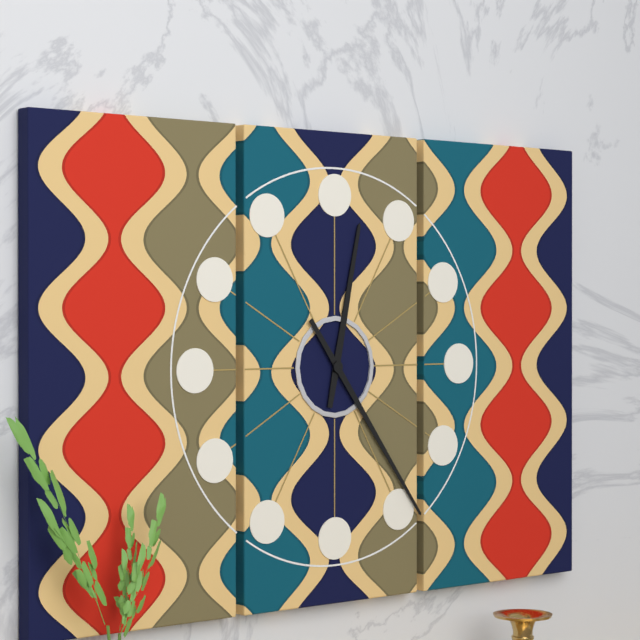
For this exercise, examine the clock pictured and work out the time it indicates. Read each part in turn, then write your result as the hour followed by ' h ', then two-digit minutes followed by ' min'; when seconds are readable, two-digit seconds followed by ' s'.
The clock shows 12 h 24 min
